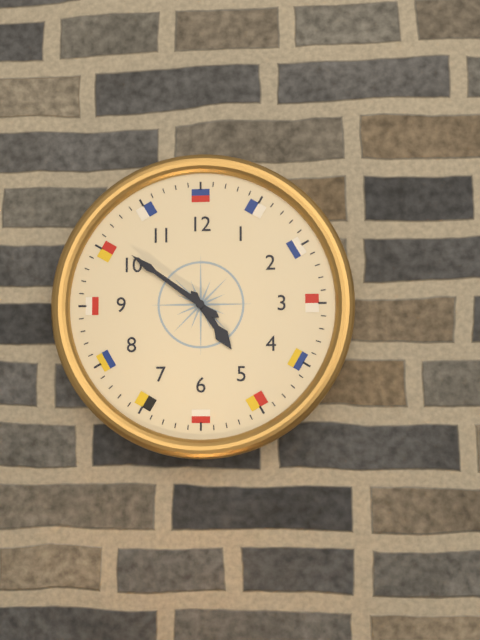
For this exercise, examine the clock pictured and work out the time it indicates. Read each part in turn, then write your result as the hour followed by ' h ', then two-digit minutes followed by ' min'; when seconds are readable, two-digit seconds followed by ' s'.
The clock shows 4 h 51 min
